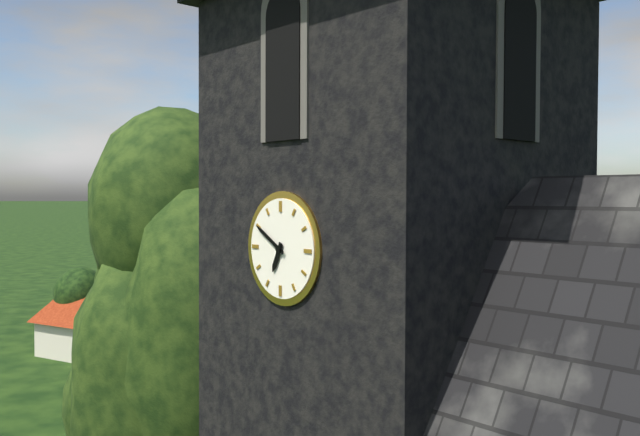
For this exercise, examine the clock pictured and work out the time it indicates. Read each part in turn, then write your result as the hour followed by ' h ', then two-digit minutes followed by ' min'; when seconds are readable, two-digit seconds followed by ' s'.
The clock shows 6 h 50 min
